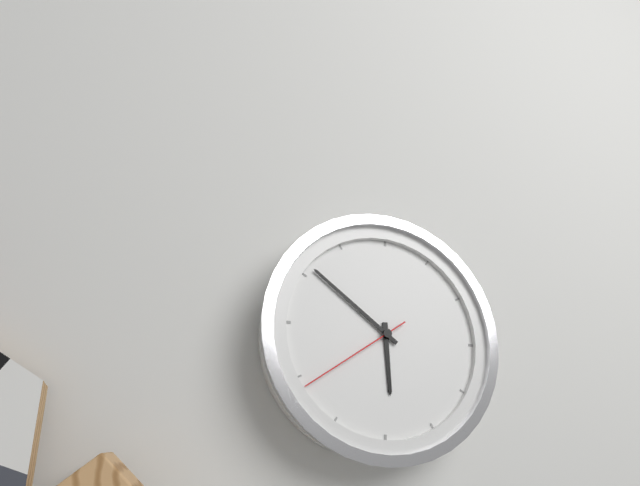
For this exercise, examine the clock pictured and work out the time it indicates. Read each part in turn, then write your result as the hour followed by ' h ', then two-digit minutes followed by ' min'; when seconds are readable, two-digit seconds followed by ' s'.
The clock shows 5 h 51 min 39 s
